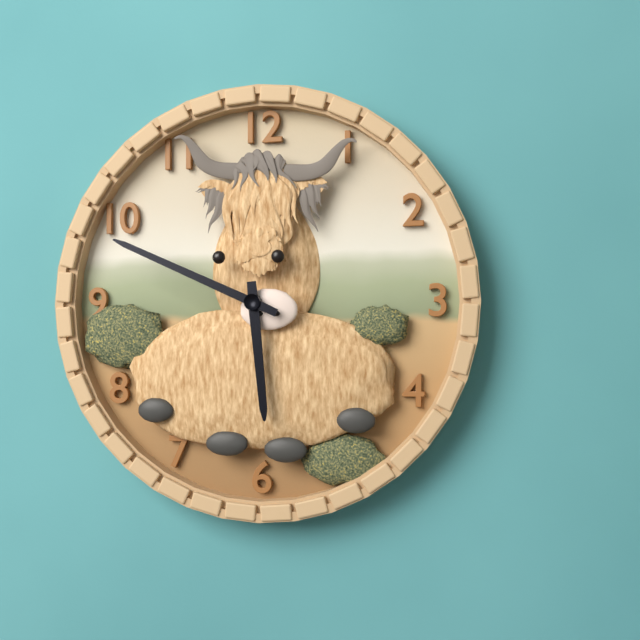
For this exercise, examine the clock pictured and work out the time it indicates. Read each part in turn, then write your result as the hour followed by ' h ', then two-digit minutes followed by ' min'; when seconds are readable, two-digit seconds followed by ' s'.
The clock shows 5 h 49 min
